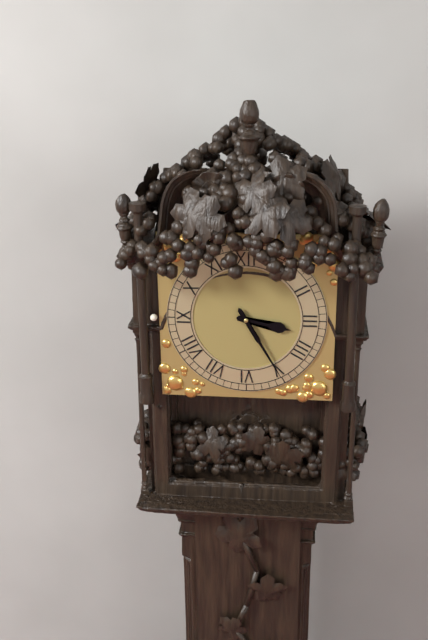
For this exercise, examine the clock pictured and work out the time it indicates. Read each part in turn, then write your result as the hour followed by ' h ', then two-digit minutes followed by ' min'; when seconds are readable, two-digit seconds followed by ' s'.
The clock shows 3 h 25 min
